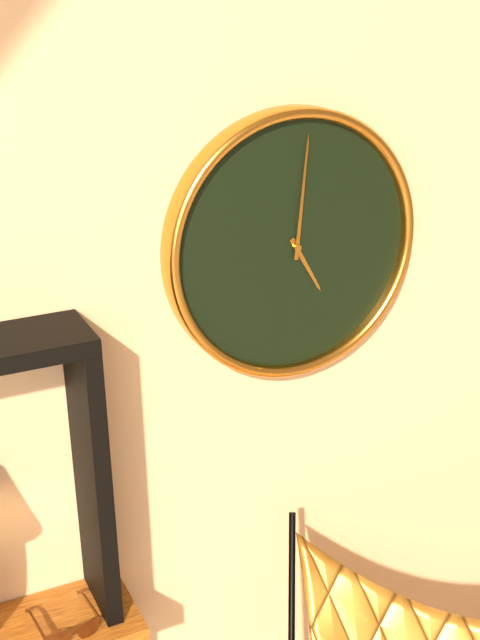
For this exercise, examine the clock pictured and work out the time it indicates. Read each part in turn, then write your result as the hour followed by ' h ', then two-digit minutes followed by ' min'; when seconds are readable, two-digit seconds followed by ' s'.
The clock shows 5 h 01 min
